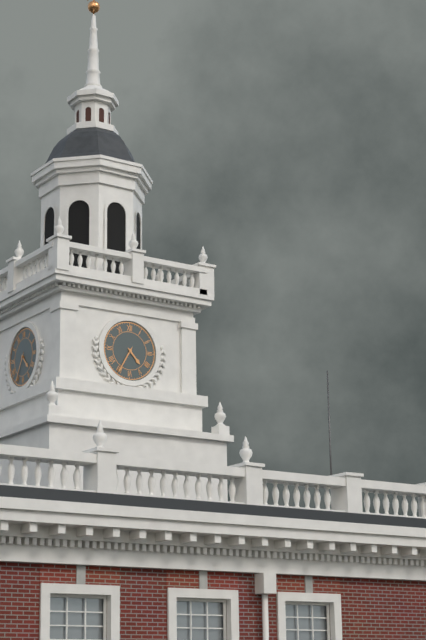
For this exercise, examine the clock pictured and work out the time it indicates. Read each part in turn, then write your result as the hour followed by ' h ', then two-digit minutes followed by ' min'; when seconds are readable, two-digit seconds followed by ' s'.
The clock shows 4 h 35 min
